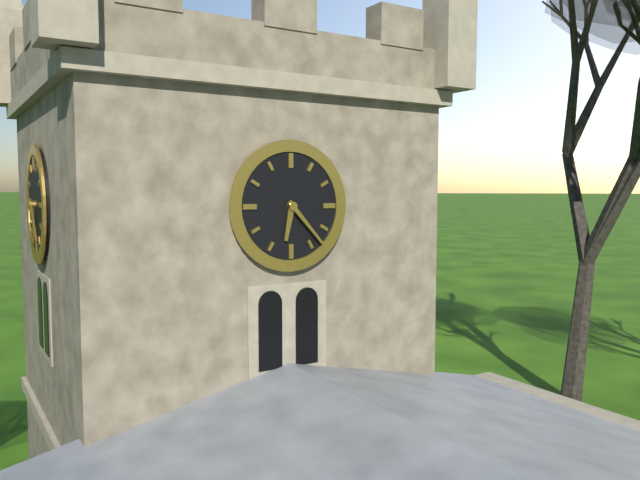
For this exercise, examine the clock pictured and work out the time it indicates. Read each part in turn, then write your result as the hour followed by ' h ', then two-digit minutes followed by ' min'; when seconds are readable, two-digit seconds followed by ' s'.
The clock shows 6 h 23 min
